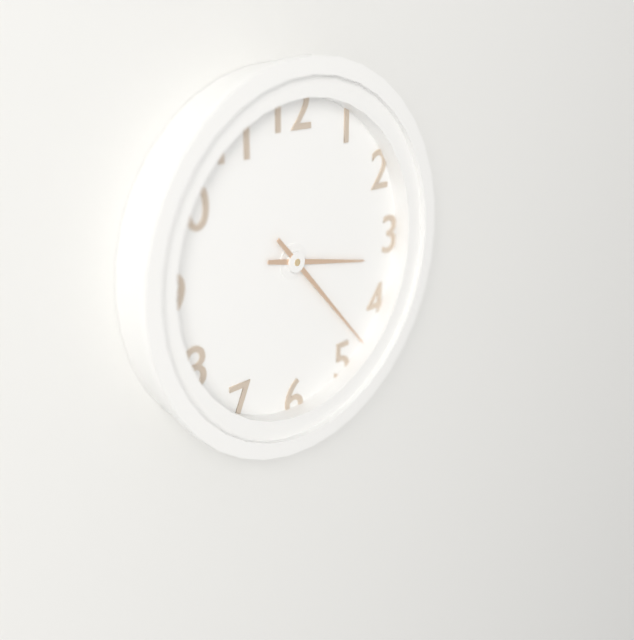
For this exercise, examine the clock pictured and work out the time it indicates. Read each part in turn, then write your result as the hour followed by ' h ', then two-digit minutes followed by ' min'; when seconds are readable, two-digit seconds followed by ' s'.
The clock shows 3 h 23 min
